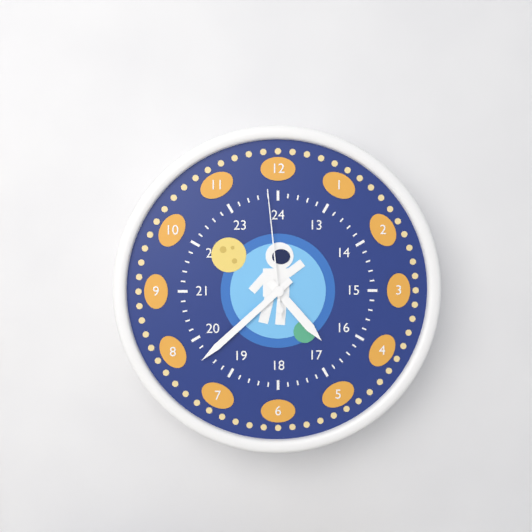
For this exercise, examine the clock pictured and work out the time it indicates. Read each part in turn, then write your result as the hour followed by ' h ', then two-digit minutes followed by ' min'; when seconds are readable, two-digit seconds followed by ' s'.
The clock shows 4 h 38 min 59 s
